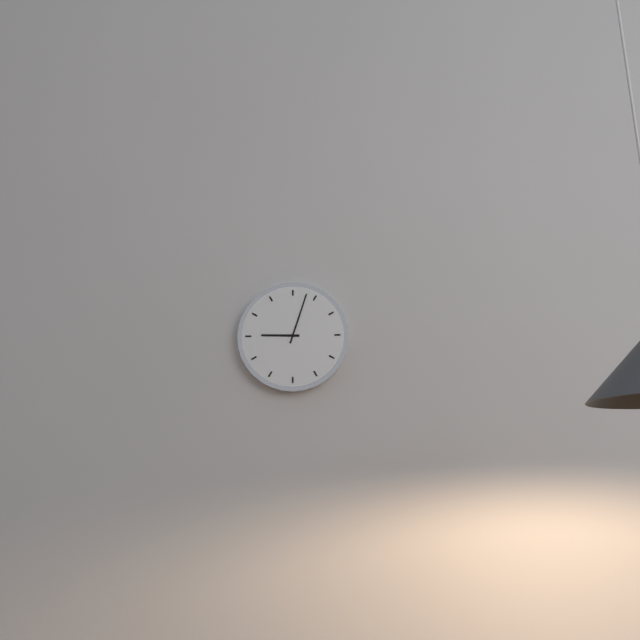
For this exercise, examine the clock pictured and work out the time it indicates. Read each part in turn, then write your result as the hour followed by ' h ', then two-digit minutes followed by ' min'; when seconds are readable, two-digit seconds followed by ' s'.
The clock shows 9 h 03 min
